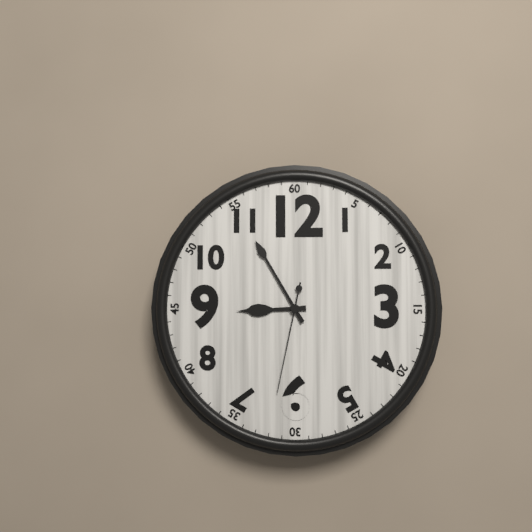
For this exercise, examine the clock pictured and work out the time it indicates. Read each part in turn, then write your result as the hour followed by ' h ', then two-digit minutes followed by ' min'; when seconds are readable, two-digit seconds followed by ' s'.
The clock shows 8 h 55 min 32 s
